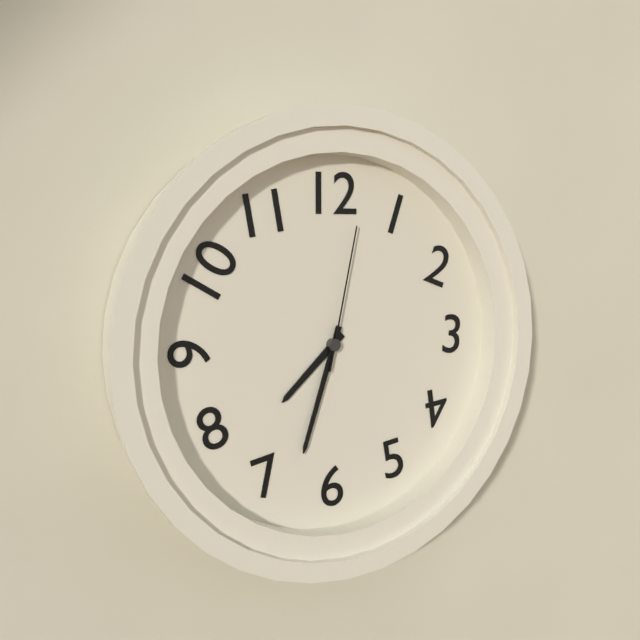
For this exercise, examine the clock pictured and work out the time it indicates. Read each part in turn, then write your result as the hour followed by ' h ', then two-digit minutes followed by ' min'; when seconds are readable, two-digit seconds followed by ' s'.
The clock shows 7 h 33 min 02 s
